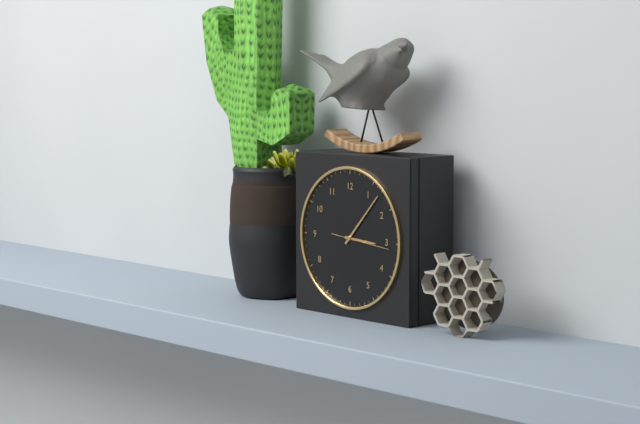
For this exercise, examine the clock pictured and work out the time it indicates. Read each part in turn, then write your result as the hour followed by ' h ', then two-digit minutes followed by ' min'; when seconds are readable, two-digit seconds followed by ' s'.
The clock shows 3 h 07 min 16 s
